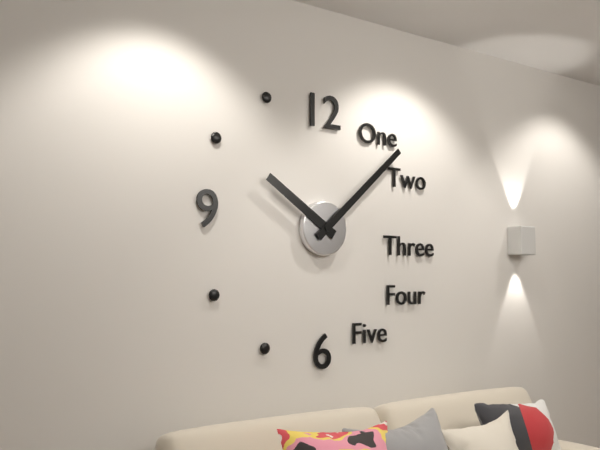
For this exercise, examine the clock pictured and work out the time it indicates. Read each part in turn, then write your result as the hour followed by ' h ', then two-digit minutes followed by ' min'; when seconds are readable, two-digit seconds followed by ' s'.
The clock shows 10 h 08 min
